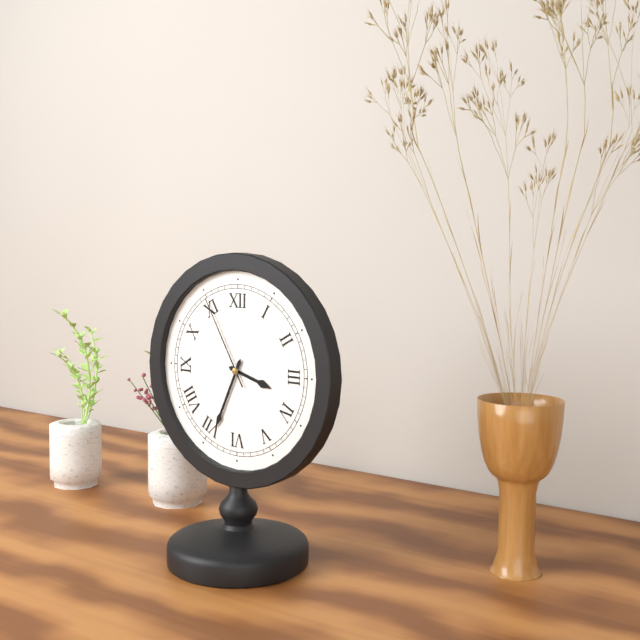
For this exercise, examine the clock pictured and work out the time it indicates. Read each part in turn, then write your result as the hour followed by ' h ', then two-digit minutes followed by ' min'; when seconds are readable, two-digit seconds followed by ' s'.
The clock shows 3 h 34 min 55 s
